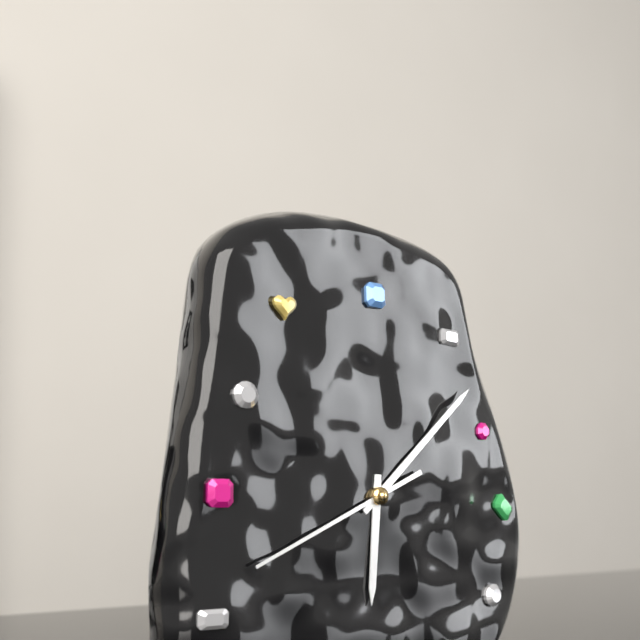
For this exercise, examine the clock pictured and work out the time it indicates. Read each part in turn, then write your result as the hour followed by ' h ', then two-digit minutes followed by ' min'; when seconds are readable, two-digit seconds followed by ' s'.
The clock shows 6 h 08 min 41 s
